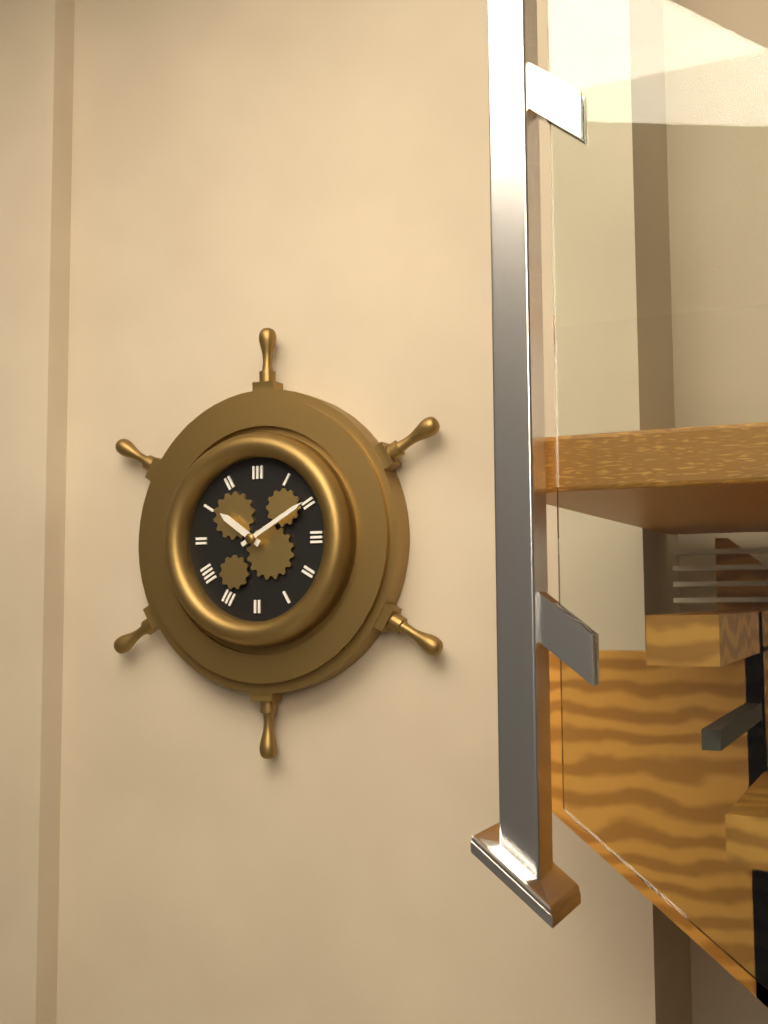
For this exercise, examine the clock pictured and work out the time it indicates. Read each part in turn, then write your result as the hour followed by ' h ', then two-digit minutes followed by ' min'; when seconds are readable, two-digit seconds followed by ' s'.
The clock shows 10 h 10 min
